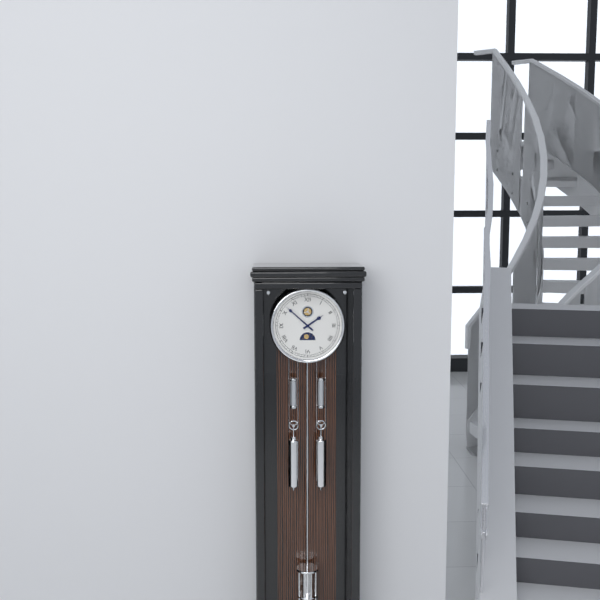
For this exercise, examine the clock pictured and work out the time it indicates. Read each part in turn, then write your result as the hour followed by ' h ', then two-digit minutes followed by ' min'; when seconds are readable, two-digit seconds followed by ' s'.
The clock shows 1 h 52 min
